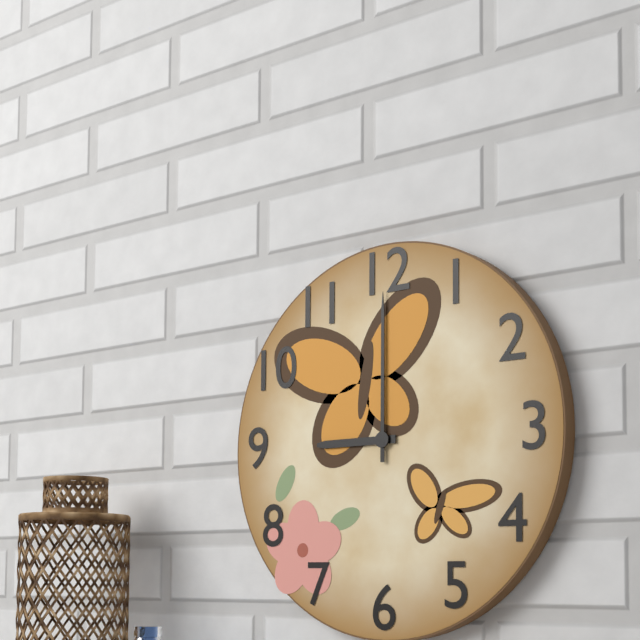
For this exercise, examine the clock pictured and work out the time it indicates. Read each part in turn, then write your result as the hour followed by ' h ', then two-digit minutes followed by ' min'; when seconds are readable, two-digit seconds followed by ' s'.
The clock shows 9 h 00 min
